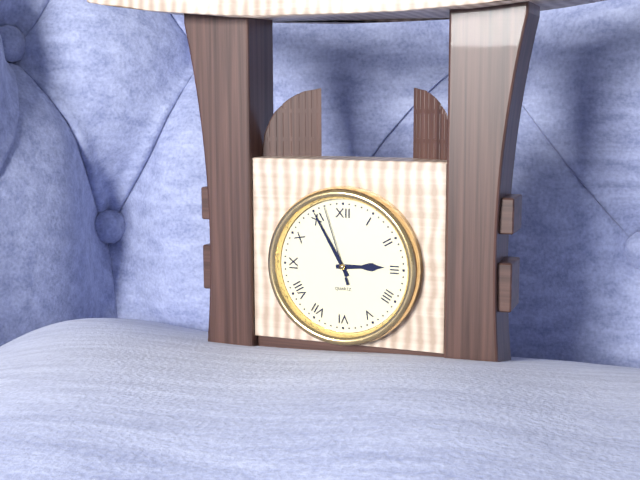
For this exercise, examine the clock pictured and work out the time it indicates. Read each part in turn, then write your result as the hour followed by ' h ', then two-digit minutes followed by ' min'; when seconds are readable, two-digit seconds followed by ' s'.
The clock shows 2 h 55 min 57 s
